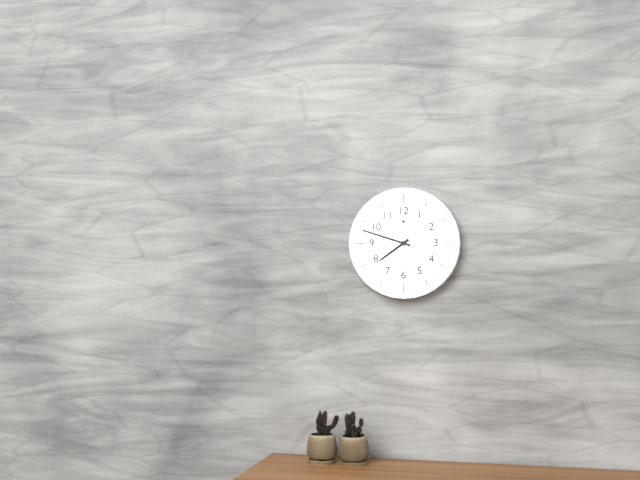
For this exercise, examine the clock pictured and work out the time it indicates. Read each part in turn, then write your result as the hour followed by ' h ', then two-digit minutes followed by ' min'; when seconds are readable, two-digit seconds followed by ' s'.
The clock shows 7 h 48 min
